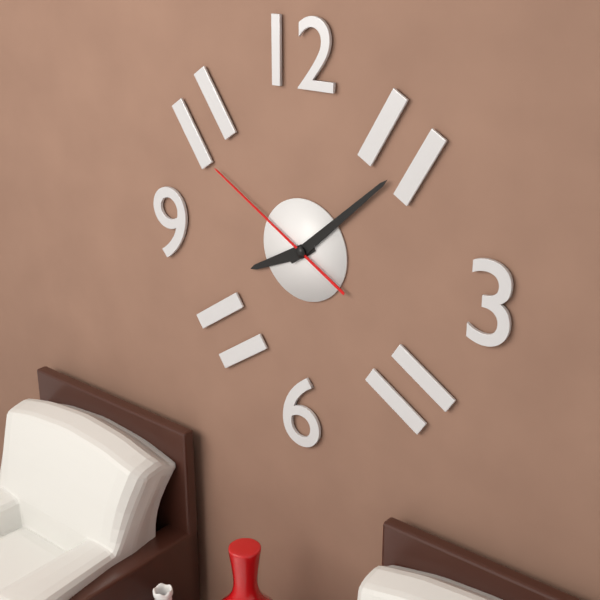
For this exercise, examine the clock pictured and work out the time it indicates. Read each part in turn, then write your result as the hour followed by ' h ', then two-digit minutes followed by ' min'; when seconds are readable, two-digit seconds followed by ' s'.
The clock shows 8 h 08 min 50 s
